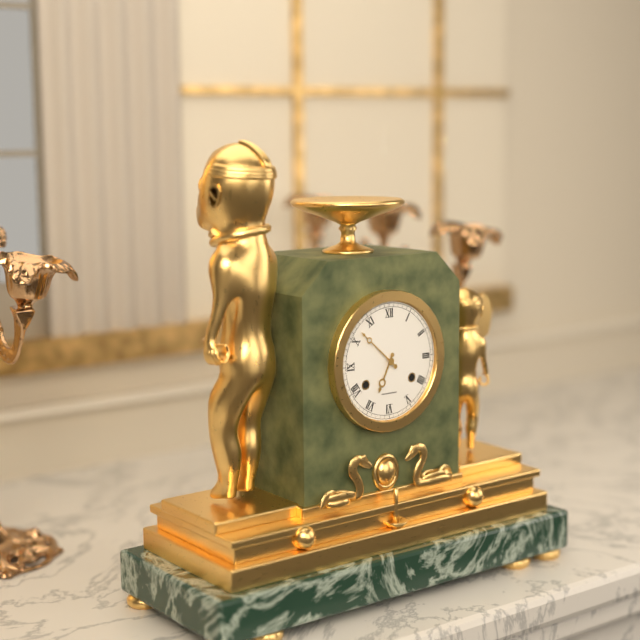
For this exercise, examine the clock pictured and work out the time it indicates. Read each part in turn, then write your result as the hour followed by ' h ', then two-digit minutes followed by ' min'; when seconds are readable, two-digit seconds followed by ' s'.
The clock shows 6 h 52 min
